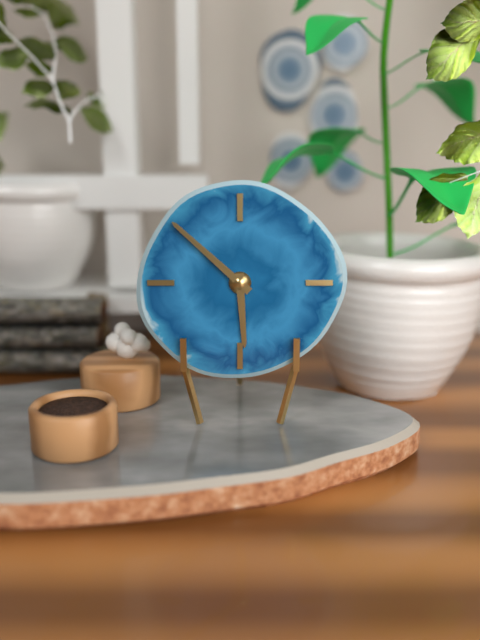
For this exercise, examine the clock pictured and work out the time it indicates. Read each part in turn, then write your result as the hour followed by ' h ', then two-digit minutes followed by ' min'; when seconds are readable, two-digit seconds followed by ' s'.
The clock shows 5 h 52 min
